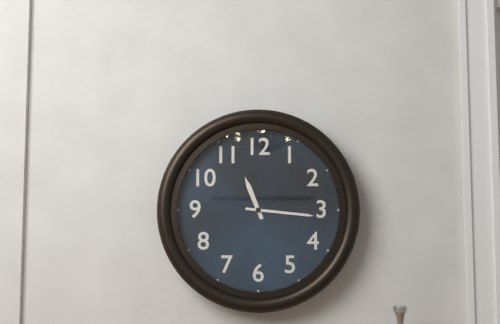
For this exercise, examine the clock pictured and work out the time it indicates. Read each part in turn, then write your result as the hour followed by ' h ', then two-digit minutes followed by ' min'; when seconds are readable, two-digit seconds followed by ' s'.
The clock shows 11 h 16 min
